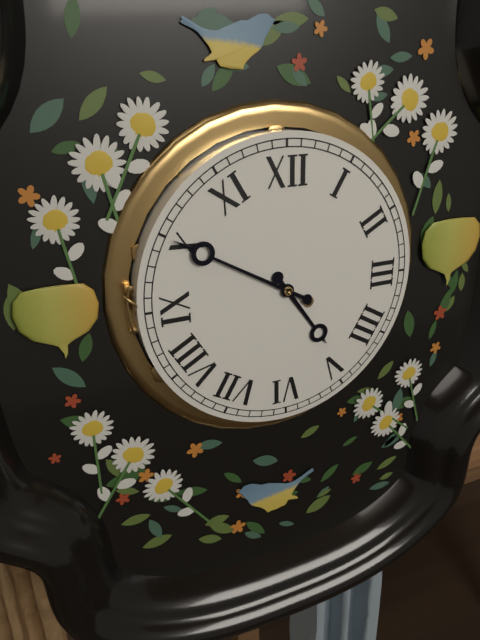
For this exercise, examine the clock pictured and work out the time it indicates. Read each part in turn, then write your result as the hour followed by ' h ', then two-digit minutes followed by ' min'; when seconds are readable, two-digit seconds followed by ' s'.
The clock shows 4 h 50 min
